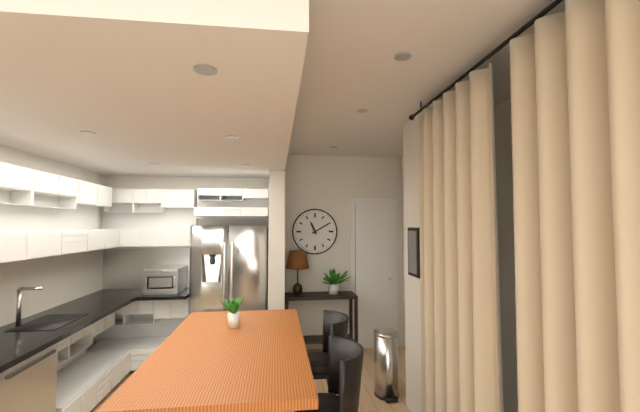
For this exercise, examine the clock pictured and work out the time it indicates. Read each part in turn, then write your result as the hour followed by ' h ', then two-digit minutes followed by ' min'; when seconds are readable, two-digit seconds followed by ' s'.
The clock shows 11 h 10 min
